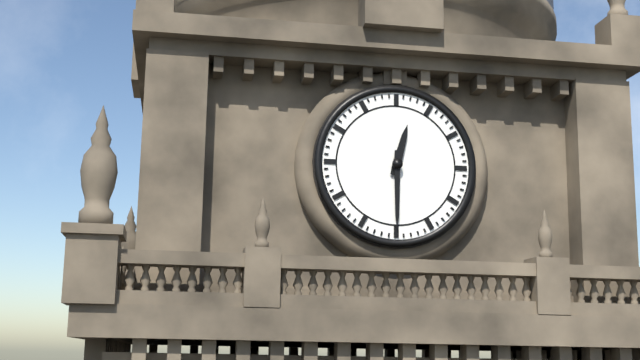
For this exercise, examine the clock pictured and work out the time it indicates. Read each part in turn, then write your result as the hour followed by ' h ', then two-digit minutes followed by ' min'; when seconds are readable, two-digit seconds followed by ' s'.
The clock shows 12 h 30 min
